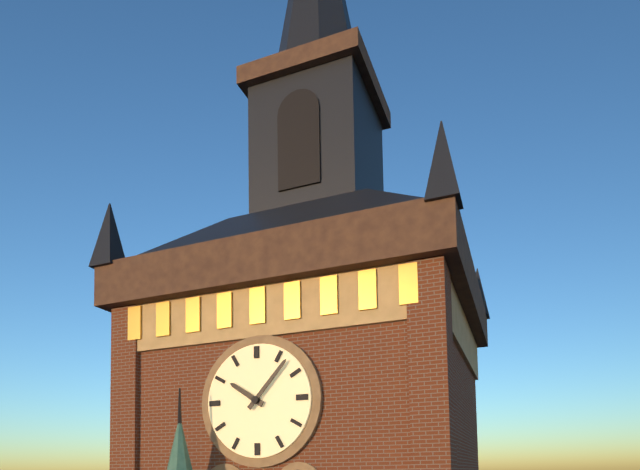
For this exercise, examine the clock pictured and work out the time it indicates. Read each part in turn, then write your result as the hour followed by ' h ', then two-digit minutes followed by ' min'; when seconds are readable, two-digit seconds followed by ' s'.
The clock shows 10 h 07 min
